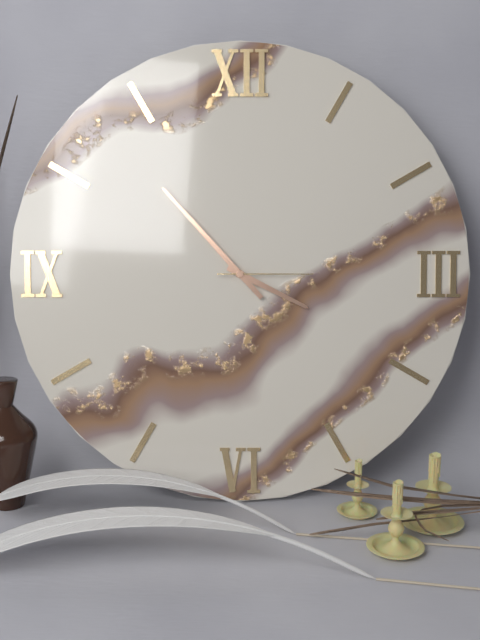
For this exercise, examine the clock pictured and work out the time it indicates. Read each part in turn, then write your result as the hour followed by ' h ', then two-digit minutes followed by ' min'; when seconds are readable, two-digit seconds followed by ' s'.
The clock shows 3 h 53 min 15 s
